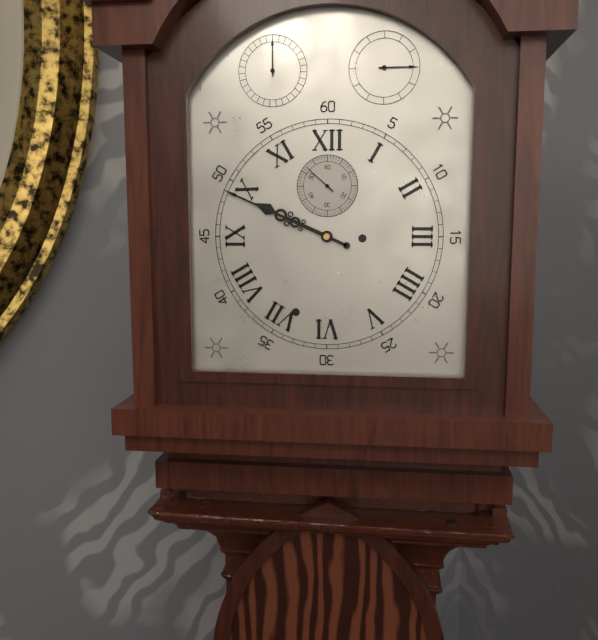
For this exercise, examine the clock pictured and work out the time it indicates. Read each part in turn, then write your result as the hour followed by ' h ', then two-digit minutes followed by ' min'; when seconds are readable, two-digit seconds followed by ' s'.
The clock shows 9 h 49 min
